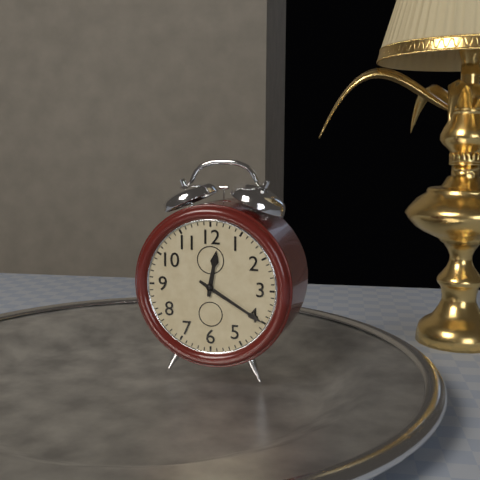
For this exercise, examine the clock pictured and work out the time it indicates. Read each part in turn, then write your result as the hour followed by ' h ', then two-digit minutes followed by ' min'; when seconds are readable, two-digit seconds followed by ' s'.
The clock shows 12 h 20 min
